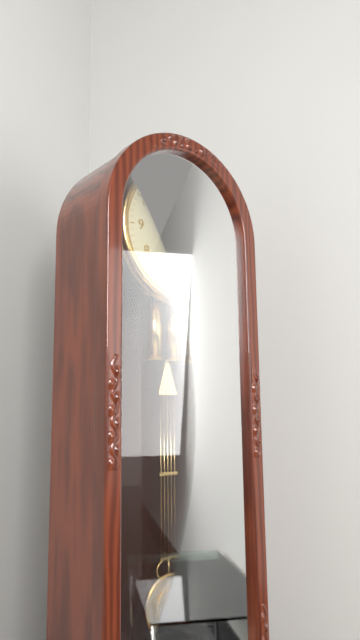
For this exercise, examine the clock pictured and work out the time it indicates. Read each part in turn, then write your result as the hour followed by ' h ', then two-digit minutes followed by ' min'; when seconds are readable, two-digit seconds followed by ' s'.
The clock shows 2 h 27 min
